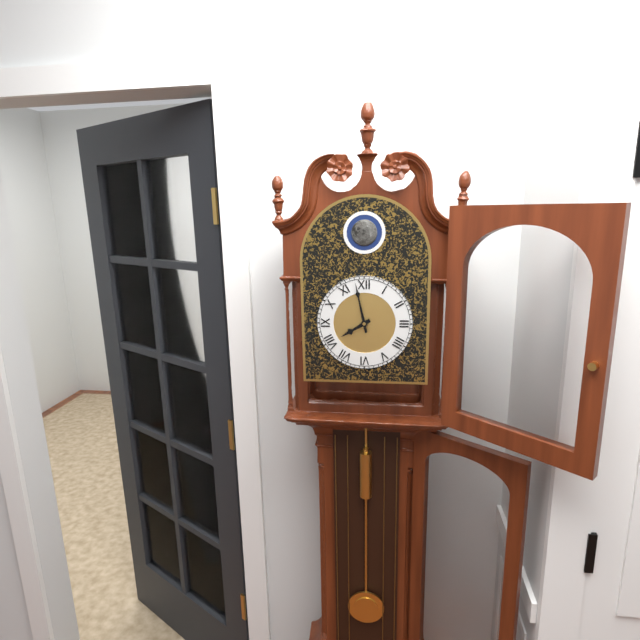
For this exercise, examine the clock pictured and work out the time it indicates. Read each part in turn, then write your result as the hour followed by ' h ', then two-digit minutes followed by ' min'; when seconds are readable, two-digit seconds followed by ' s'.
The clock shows 7 h 58 min
